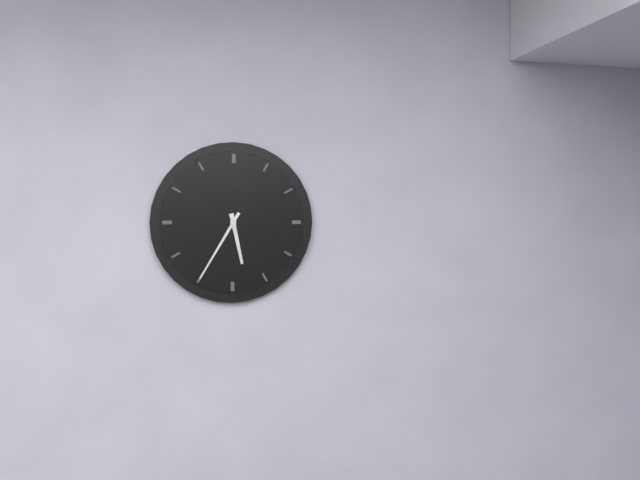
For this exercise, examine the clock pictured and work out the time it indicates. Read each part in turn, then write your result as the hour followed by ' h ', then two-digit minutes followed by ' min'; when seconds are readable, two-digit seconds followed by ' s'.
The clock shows 5 h 35 min
